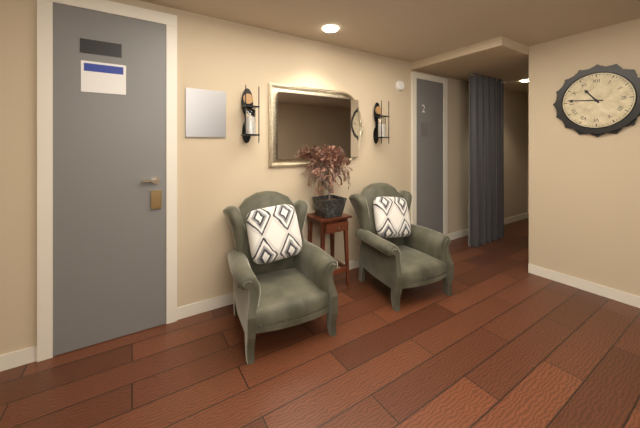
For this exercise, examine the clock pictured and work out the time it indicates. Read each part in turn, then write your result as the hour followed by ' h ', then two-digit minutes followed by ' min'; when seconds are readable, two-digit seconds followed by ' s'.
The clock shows 10 h 46 min
